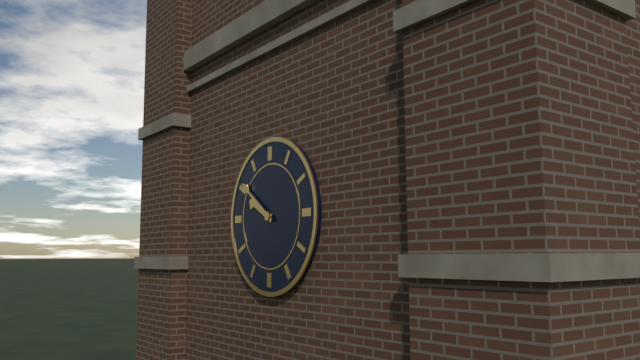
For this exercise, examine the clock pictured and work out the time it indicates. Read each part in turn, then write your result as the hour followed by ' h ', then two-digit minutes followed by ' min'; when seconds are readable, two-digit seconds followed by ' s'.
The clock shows 9 h 51 min
